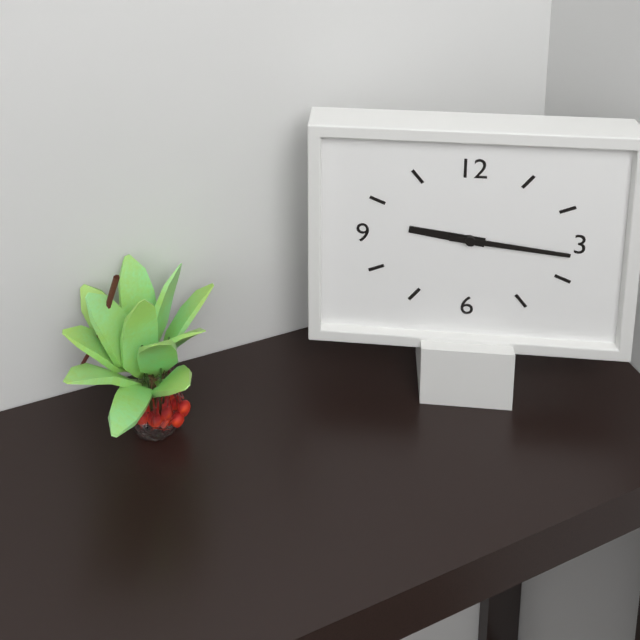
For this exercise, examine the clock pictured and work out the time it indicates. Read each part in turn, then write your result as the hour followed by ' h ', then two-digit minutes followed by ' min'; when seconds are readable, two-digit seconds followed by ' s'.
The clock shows 9 h 16 min
